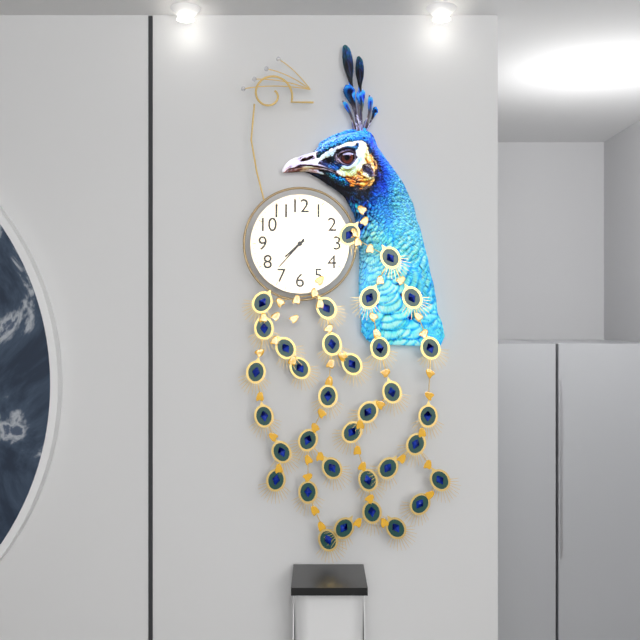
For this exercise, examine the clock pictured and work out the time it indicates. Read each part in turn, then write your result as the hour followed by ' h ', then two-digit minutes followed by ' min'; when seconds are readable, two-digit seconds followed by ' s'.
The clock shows 7 h 37 min
